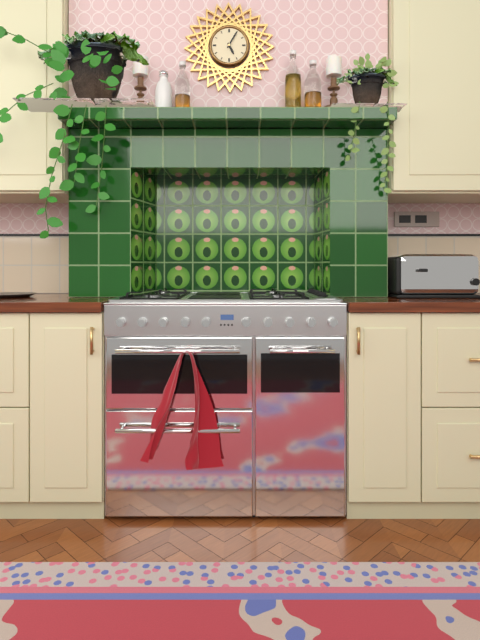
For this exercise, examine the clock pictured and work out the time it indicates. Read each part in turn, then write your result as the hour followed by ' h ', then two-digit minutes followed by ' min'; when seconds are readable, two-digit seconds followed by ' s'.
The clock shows 5 h 05 min
